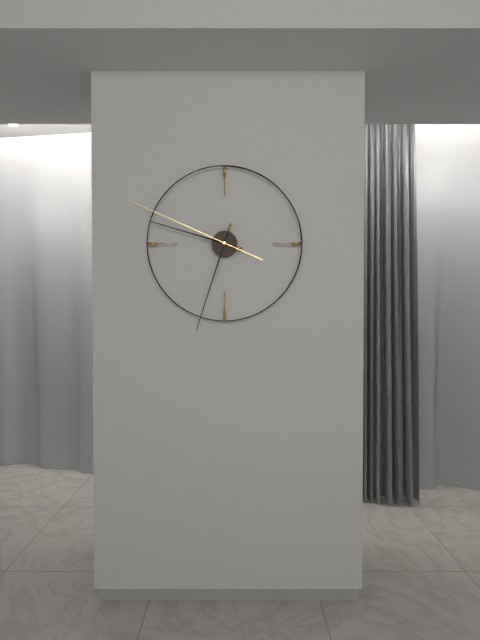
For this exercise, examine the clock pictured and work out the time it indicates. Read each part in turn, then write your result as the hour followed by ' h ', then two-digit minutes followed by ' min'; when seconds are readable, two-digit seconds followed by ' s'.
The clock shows 9 h 33 min 49 s
